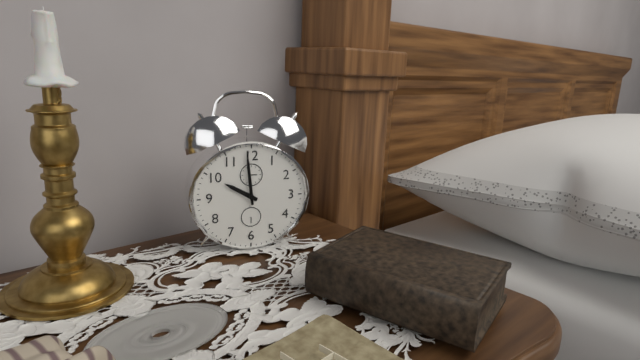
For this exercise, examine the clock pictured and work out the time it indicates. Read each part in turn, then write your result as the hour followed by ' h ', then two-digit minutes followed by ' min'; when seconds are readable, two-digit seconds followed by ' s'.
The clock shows 9 h 59 min
